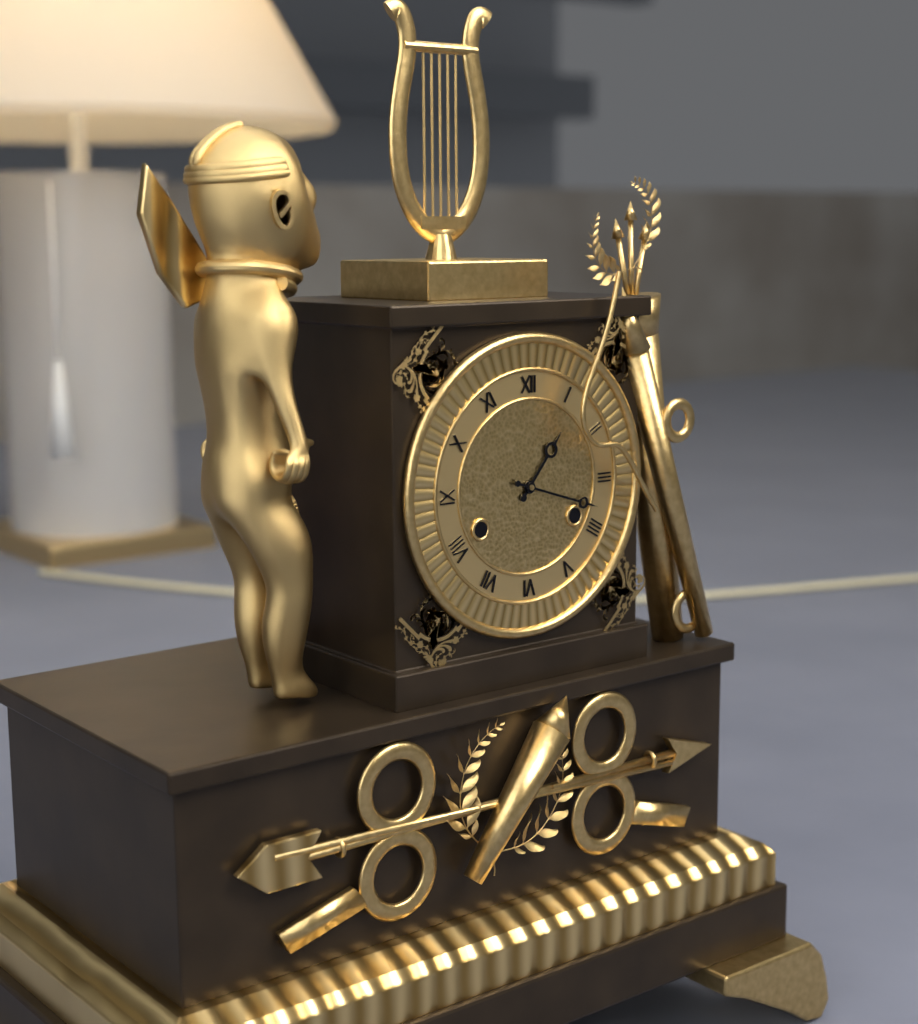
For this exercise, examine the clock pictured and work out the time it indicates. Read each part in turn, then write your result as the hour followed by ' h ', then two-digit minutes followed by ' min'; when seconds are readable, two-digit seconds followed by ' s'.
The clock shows 1 h 18 min
